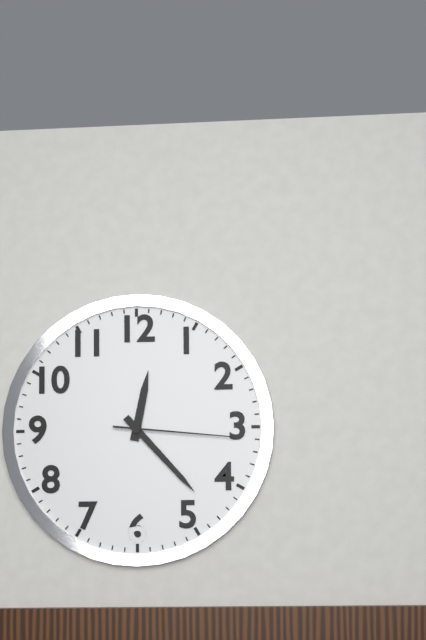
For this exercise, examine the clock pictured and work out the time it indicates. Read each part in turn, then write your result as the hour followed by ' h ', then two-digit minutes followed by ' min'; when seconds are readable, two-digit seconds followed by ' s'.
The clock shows 12 h 23 min 16 s
